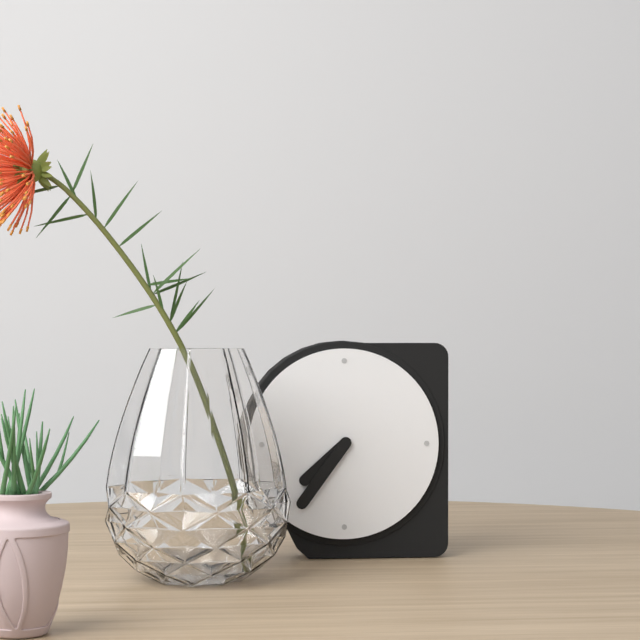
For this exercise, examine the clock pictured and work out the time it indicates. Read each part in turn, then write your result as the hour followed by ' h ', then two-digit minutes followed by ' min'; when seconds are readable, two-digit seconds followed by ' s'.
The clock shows 7 h 36 min
